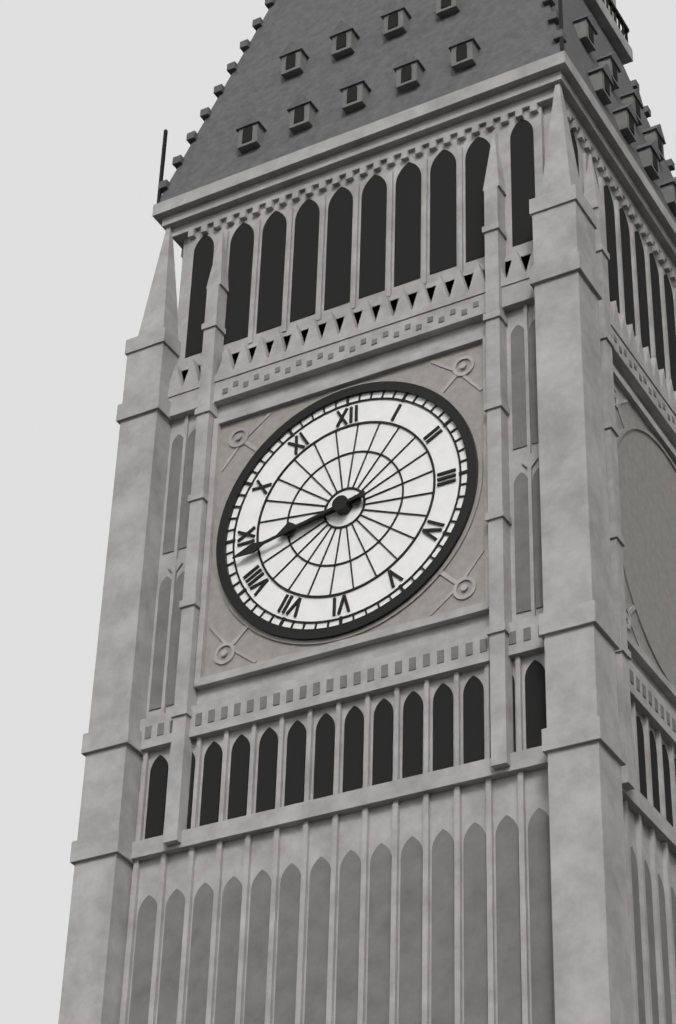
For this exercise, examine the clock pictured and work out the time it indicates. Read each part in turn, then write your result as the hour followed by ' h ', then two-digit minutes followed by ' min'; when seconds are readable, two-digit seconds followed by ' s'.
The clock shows 8 h 43 min
